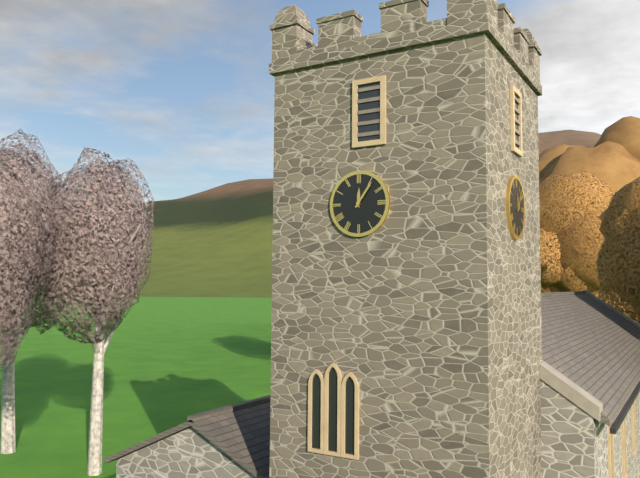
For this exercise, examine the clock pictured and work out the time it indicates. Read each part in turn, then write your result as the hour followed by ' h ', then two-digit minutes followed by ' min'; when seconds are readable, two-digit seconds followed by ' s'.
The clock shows 12 h 06 min
